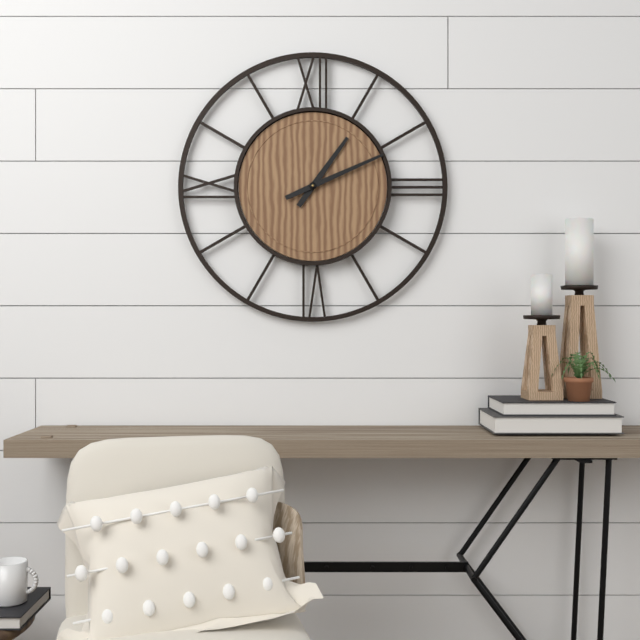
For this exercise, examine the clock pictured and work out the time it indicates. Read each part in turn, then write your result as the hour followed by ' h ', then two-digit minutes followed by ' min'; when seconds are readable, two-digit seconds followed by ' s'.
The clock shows 1 h 11 min
